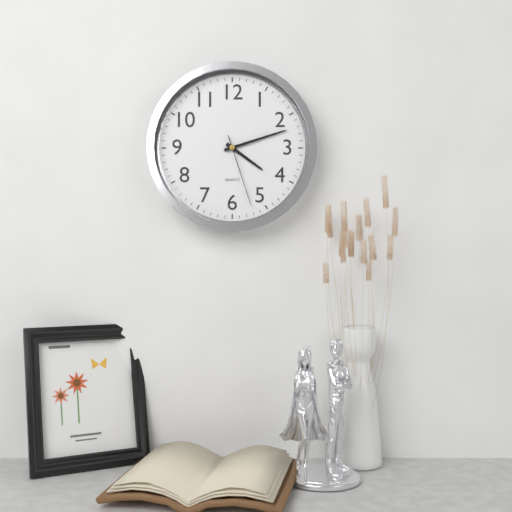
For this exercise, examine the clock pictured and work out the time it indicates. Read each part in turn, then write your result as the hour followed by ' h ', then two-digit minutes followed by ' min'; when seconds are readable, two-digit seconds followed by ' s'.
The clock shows 4 h 12 min 27 s
